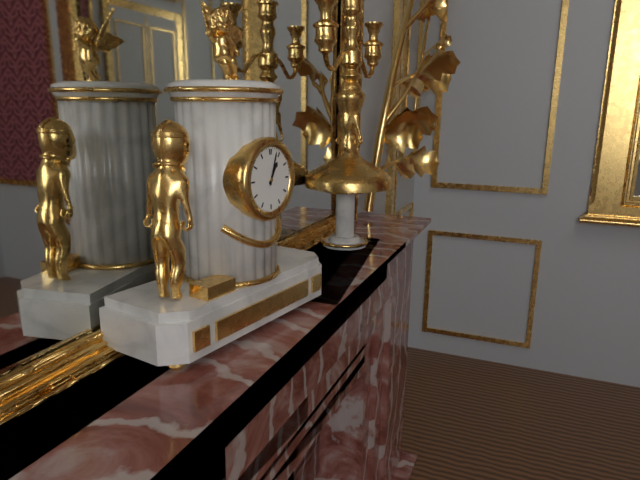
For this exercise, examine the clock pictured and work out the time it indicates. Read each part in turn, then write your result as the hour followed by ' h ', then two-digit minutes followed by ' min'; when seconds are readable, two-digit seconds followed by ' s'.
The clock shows 1 h 03 min
